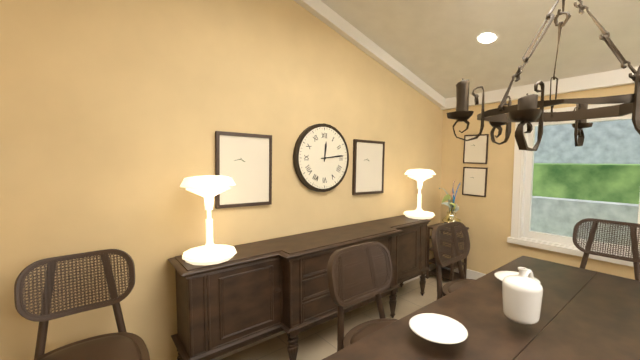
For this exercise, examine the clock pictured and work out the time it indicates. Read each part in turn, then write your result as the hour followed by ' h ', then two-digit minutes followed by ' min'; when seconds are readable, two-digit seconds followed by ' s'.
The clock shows 12 h 14 min
